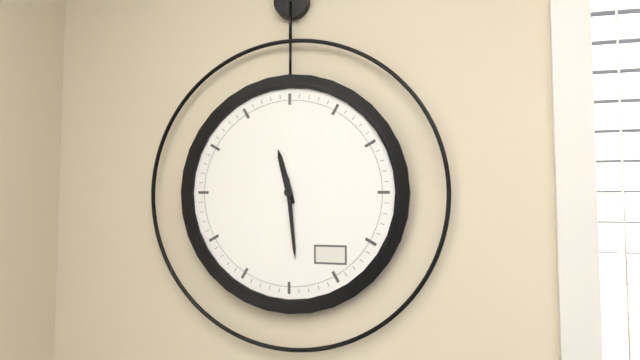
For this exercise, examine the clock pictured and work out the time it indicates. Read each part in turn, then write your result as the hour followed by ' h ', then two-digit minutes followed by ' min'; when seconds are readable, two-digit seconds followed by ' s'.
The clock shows 11 h 29 min
